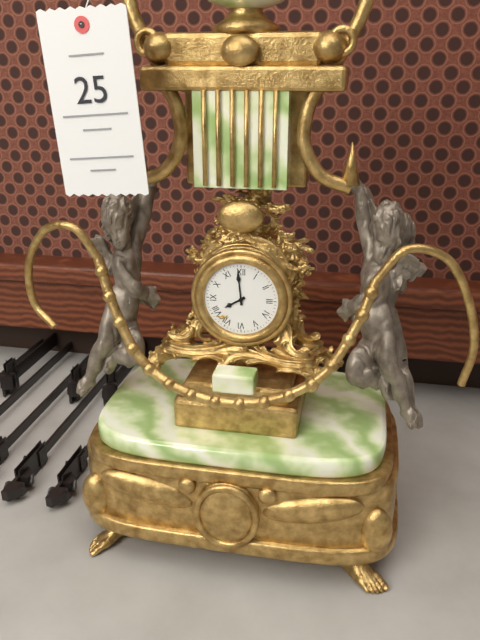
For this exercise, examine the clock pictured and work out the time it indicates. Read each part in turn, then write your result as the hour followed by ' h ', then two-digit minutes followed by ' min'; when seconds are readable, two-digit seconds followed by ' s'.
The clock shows 7 h 59 min
